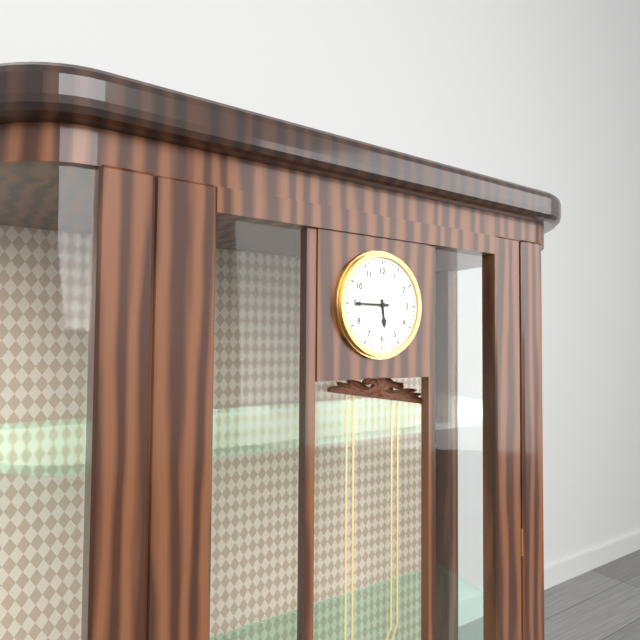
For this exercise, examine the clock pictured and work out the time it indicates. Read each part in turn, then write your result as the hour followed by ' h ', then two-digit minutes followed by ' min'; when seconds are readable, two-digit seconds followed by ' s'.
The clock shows 5 h 45 min
